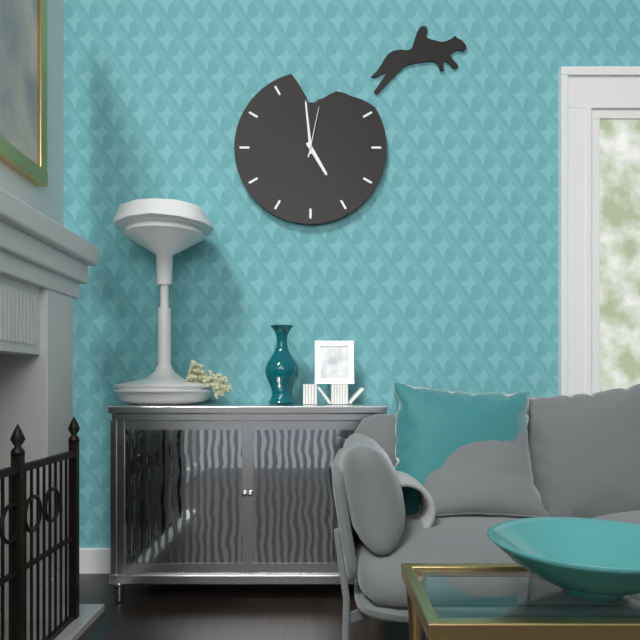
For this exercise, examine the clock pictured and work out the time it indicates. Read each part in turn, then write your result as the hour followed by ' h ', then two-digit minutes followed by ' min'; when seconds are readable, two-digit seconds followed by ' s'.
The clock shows 4 h 59 min 02 s
